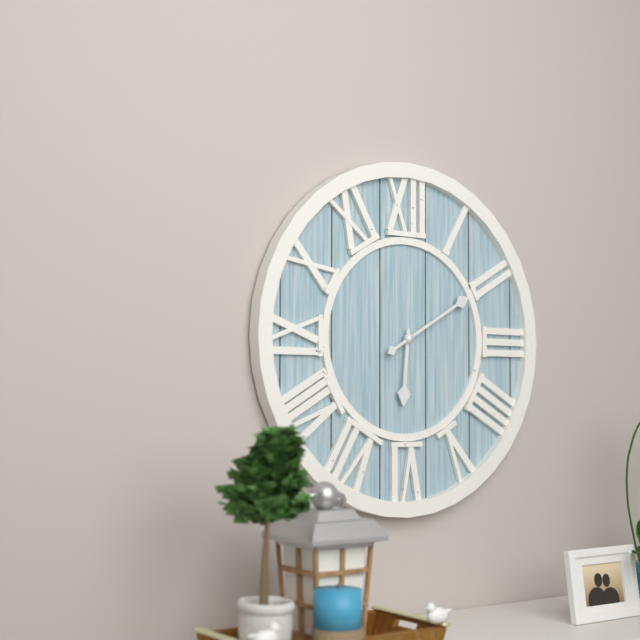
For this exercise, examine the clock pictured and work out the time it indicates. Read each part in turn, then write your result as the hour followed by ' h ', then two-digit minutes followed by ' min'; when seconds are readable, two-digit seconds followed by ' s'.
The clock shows 6 h 10 min
